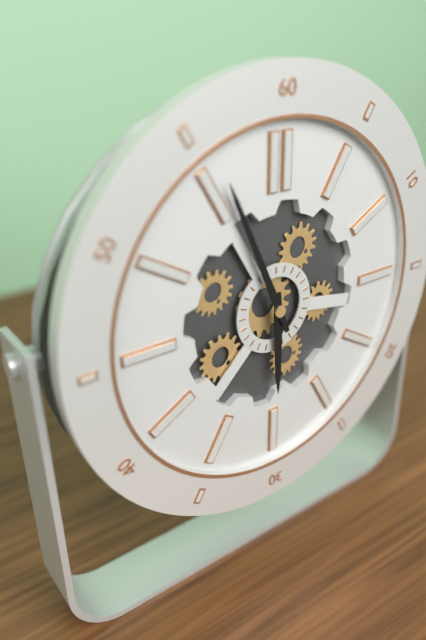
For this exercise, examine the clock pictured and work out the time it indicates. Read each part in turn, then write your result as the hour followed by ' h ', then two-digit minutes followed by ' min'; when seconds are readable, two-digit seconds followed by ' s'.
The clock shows 5 h 56 min
